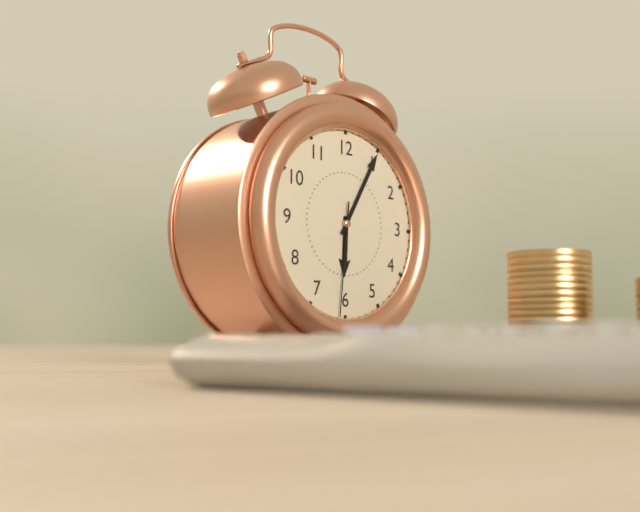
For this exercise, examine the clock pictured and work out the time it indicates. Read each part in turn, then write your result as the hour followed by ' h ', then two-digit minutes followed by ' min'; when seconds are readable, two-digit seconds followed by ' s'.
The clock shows 6 h 05 min 31 s
